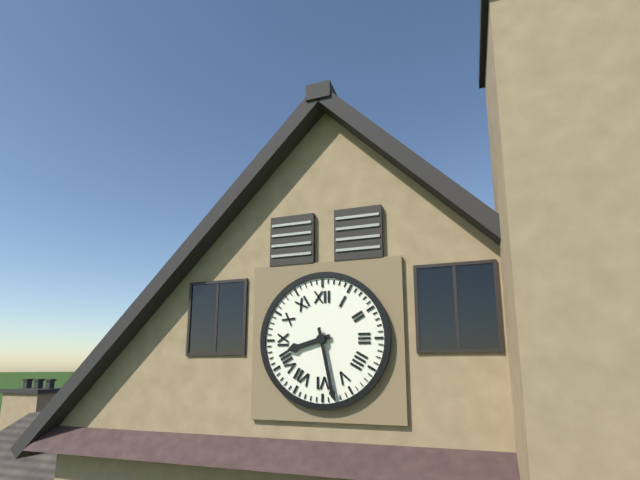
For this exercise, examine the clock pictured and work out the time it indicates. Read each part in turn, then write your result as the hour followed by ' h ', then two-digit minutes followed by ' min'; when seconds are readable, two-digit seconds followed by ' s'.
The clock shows 8 h 28 min
